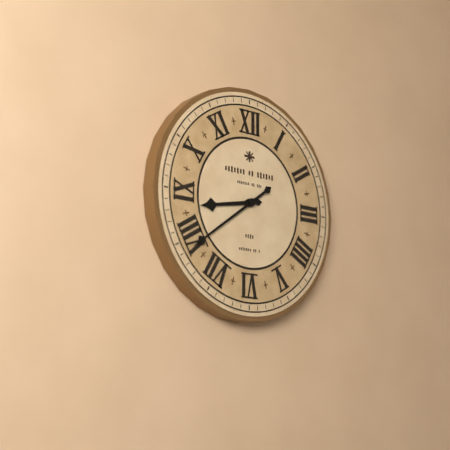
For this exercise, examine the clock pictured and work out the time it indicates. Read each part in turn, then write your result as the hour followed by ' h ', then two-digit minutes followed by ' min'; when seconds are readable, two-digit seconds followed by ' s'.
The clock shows 8 h 39 min
